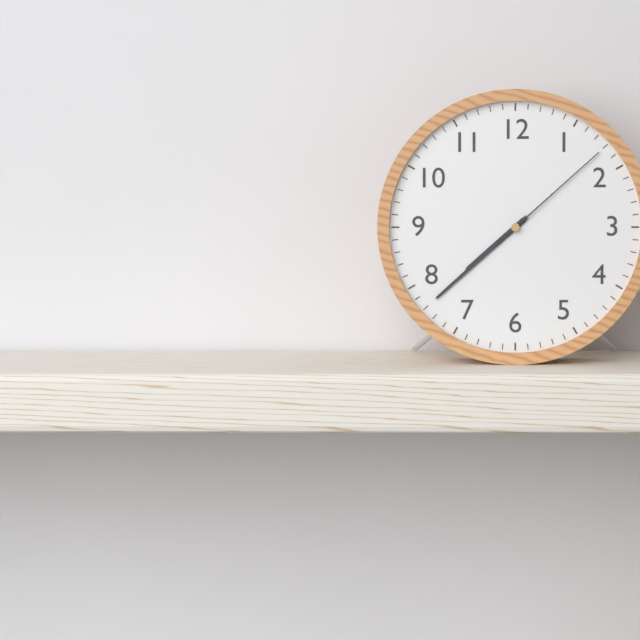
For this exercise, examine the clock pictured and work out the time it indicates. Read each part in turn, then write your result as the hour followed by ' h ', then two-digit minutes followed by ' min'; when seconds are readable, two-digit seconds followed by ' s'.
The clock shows 7 h 38 min 08 s
